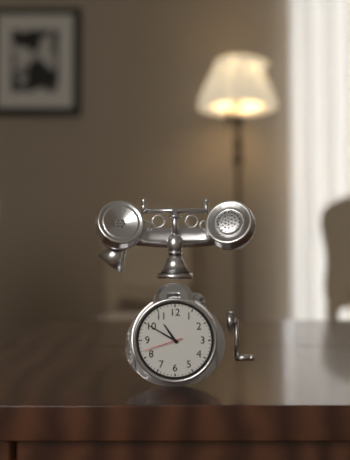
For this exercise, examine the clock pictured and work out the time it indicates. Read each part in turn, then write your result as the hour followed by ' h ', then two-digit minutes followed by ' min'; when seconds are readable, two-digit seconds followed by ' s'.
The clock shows 10 h 50 min
